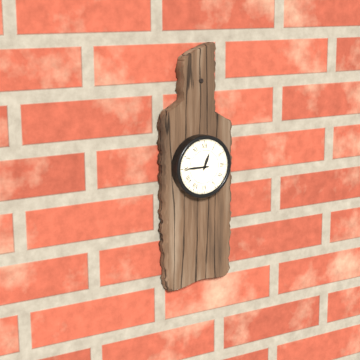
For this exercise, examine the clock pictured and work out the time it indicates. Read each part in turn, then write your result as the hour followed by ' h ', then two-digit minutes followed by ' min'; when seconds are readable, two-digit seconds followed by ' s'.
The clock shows 12 h 45 min
